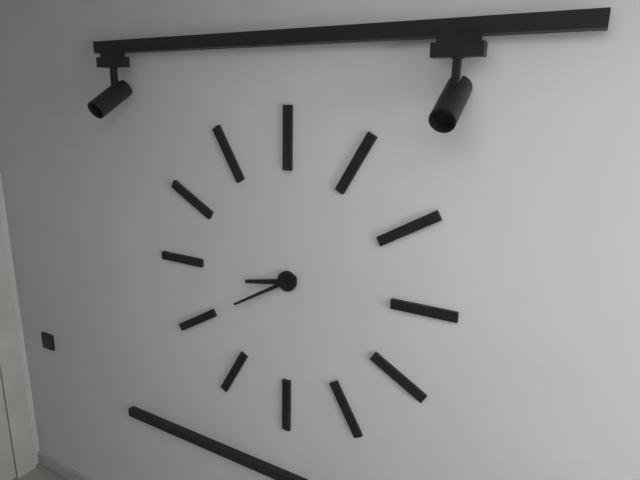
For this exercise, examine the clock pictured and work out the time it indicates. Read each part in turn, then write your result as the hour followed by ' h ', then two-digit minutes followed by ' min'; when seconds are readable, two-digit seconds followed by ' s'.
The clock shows 8 h 40 min
